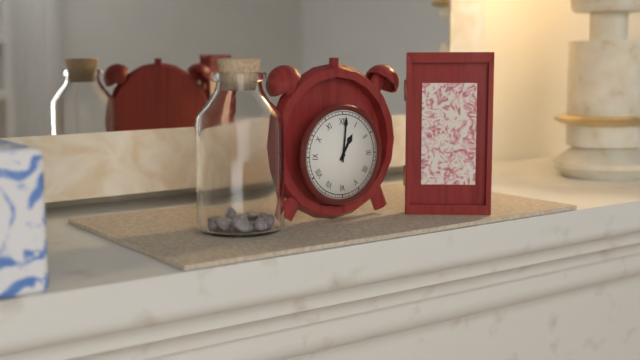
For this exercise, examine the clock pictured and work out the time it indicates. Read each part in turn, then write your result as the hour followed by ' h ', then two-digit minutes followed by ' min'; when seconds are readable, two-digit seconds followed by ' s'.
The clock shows 1 h 01 min
